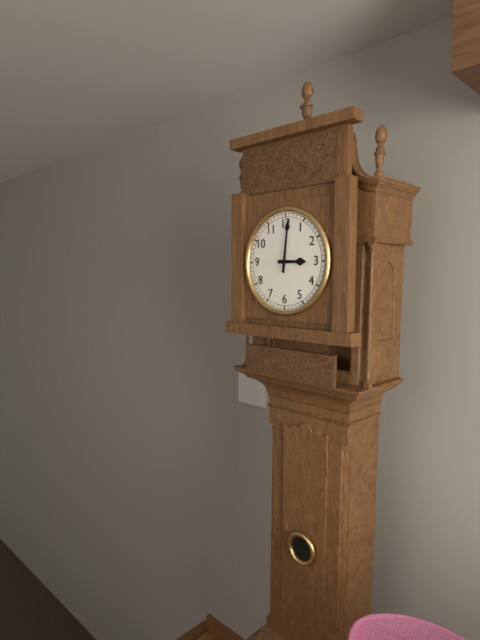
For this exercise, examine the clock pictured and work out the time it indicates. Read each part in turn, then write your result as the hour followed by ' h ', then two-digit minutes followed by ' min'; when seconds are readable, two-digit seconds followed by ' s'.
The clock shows 3 h 01 min
